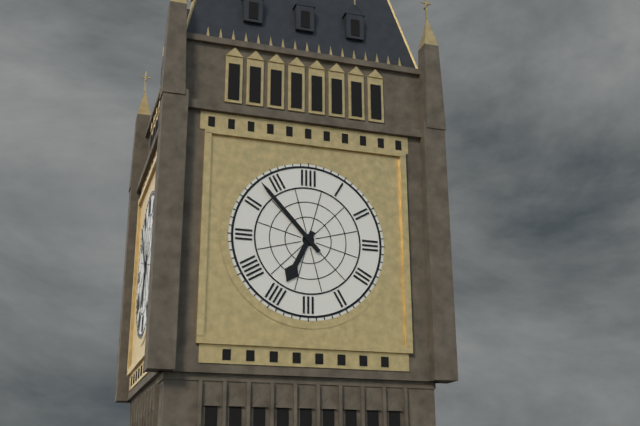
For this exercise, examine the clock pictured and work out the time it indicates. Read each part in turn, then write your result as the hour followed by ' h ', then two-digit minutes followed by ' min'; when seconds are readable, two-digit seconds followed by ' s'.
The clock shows 6 h 53 min
